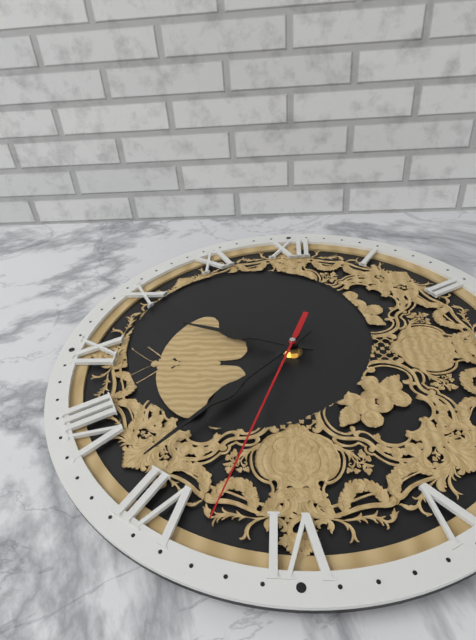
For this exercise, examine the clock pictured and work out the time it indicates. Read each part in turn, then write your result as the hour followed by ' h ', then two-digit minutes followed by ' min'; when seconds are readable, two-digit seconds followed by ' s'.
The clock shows 9 h 37 min 33 s
